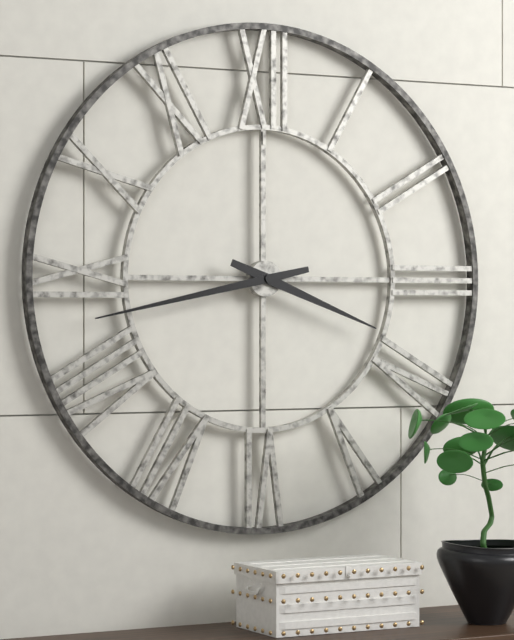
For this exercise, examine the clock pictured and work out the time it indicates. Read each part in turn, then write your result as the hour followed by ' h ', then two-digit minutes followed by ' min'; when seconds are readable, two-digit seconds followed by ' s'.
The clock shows 3 h 43 min
